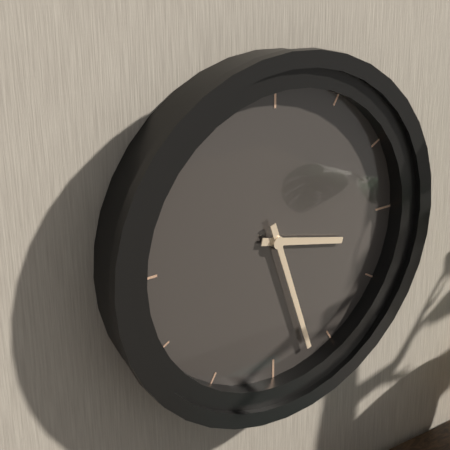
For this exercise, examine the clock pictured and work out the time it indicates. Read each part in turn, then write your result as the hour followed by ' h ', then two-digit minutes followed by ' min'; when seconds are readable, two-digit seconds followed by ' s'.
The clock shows 3 h 27 min
